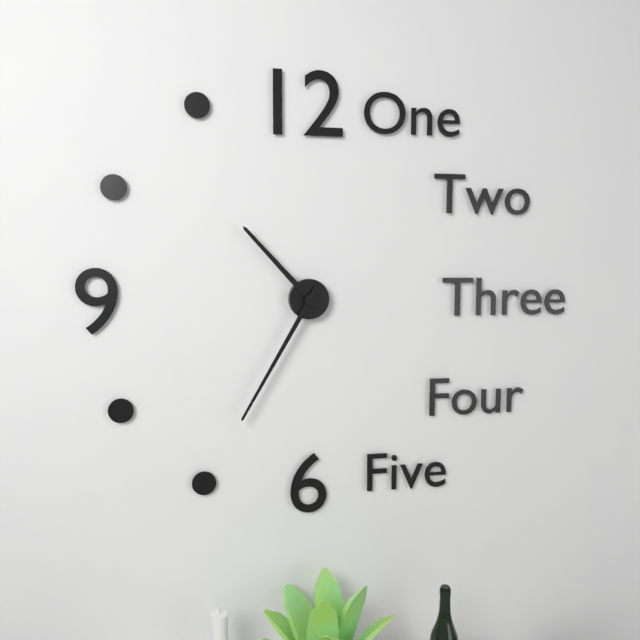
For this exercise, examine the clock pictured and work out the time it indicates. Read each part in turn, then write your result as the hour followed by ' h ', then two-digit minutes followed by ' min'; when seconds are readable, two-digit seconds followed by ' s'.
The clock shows 10 h 35 min
